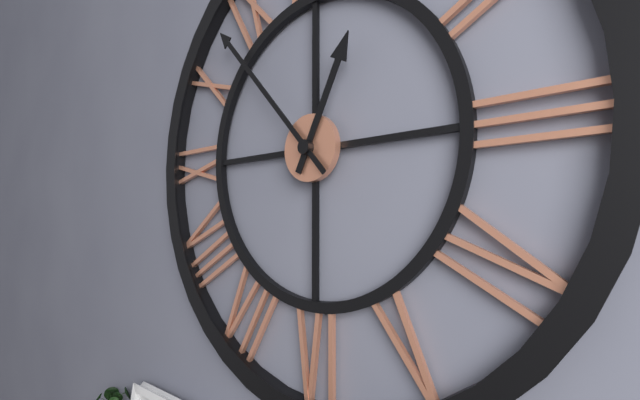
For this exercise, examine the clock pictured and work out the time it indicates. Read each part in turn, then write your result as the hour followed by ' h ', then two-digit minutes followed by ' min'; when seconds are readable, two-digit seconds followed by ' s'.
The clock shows 12 h 53 min
